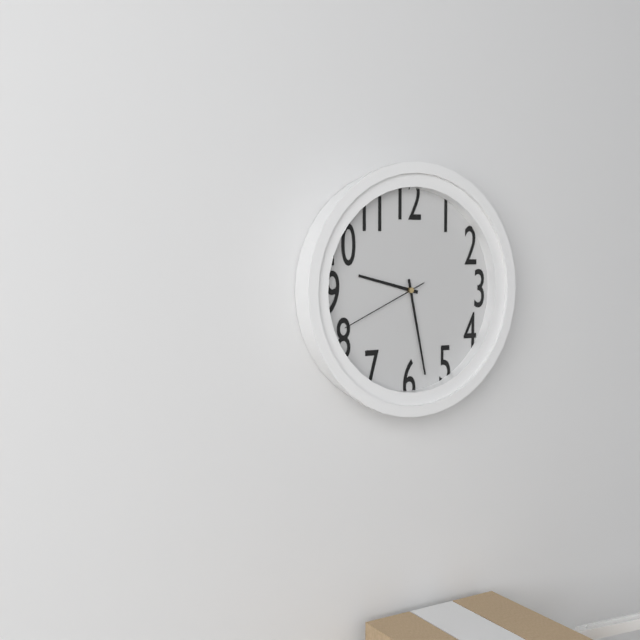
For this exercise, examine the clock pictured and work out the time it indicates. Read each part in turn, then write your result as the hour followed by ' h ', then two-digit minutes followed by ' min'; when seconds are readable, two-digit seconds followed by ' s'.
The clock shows 9 h 28 min 41 s
